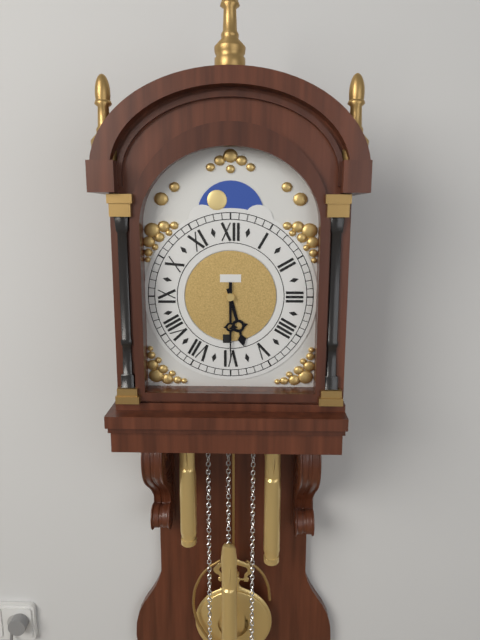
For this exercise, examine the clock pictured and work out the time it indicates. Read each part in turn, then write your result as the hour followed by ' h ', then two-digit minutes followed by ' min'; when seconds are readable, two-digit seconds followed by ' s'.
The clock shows 5 h 30 min
